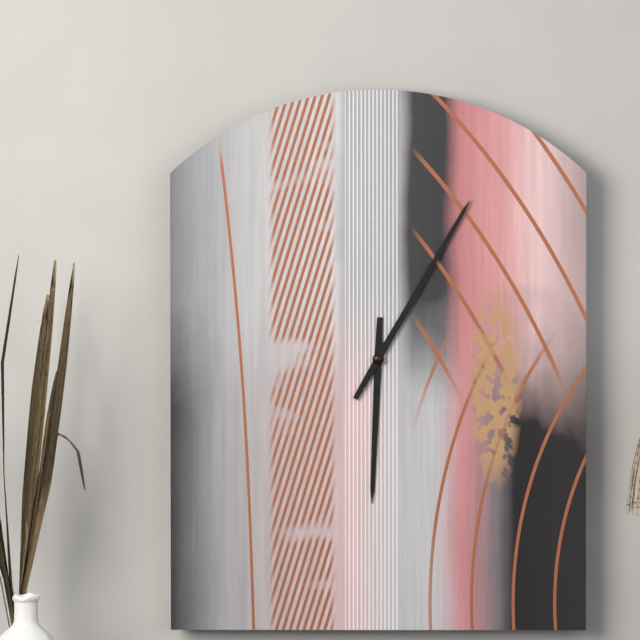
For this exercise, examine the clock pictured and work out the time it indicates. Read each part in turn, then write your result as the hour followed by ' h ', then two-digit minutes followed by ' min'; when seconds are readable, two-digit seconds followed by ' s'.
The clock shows 6 h 05 min
